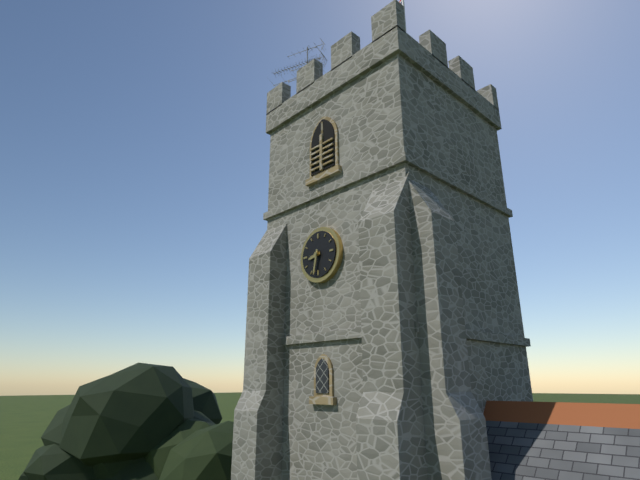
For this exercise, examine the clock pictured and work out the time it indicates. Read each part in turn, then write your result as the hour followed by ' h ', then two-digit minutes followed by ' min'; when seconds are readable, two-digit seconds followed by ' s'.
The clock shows 8 h 32 min
